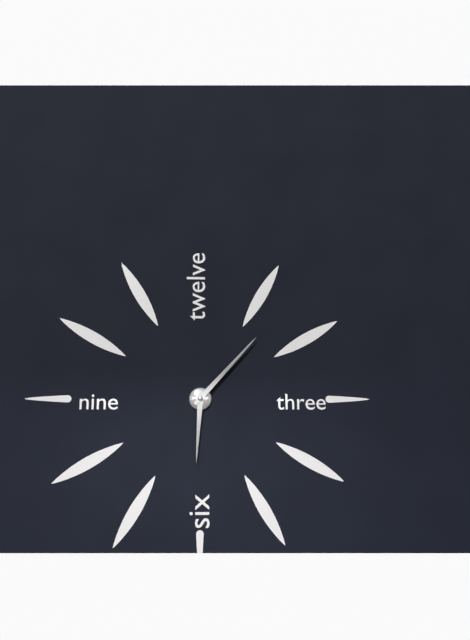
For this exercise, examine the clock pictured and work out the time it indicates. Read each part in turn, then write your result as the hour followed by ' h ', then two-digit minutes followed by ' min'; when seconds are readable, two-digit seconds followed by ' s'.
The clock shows 6 h 07 min
